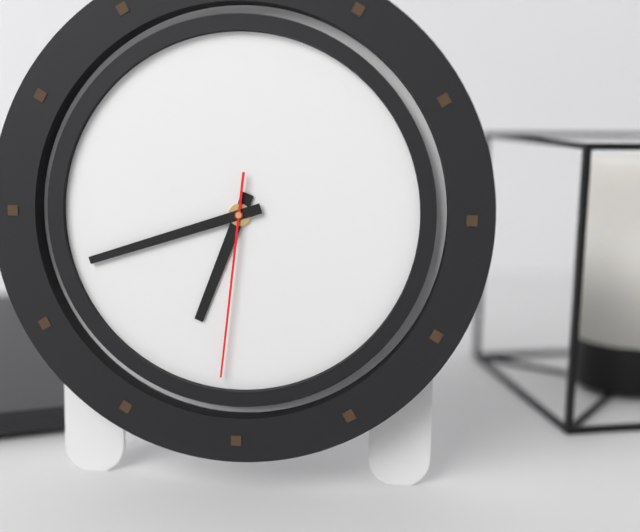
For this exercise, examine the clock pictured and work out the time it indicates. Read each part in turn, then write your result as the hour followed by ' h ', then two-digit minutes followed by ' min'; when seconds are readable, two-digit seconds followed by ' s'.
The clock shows 6 h 42 min 31 s
